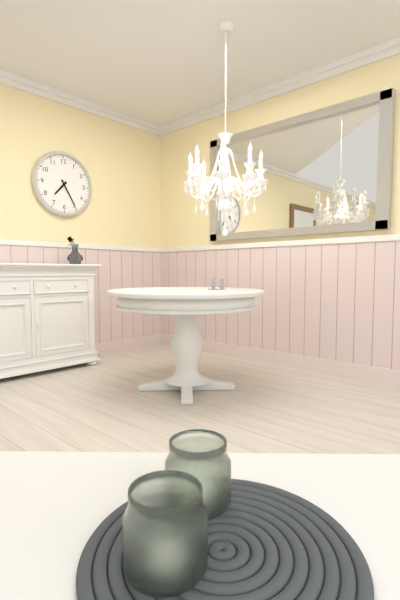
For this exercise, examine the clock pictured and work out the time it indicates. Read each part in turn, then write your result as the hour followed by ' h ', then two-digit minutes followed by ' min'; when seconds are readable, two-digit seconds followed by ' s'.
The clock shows 7 h 25 min
